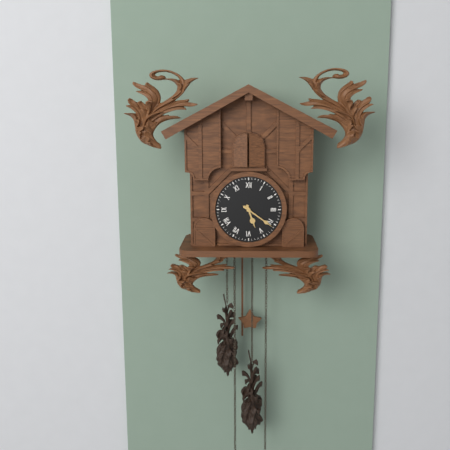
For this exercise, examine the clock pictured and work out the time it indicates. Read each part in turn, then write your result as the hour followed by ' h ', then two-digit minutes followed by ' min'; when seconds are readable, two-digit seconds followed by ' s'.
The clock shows 5 h 21 min
